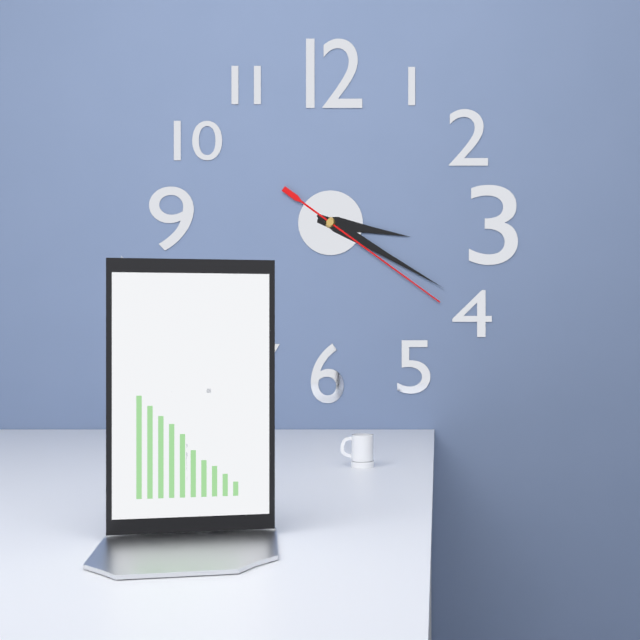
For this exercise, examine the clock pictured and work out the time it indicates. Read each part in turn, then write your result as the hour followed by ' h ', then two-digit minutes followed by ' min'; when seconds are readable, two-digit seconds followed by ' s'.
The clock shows 3 h 20 min 21 s
